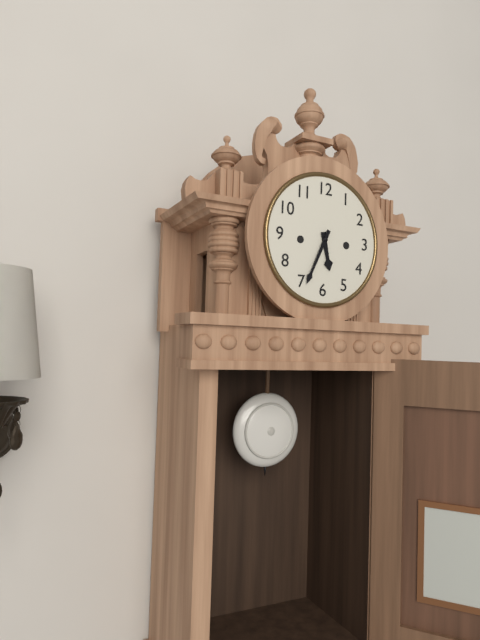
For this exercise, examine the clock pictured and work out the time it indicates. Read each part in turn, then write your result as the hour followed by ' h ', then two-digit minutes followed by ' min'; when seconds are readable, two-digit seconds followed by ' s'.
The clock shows 5 h 34 min
